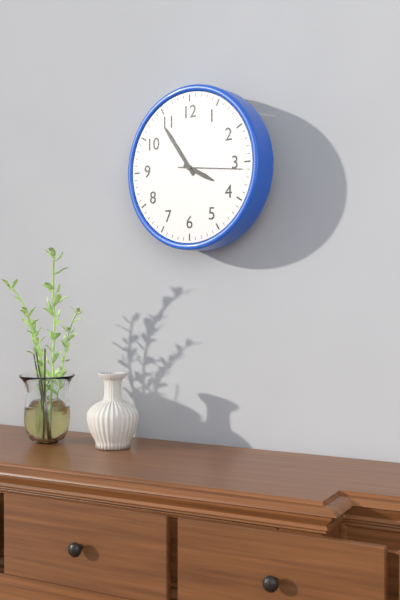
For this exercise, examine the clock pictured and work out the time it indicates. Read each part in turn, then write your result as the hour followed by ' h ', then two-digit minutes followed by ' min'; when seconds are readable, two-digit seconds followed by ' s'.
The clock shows 3 h 54 min 16 s
